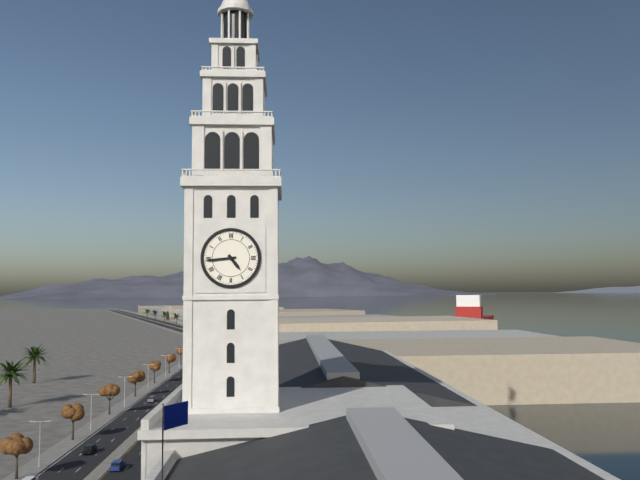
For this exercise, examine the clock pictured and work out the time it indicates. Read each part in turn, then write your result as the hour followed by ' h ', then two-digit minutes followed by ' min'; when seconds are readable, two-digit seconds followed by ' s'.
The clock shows 4 h 44 min
